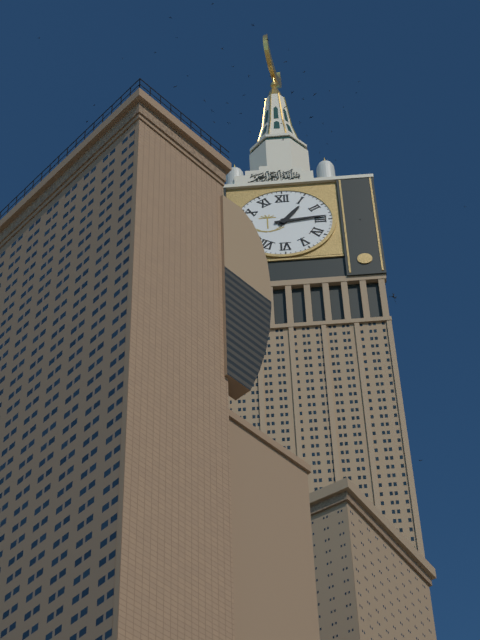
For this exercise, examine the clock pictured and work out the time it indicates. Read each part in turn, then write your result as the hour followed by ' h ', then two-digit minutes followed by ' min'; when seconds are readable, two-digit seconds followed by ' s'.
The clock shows 1 h 14 min
